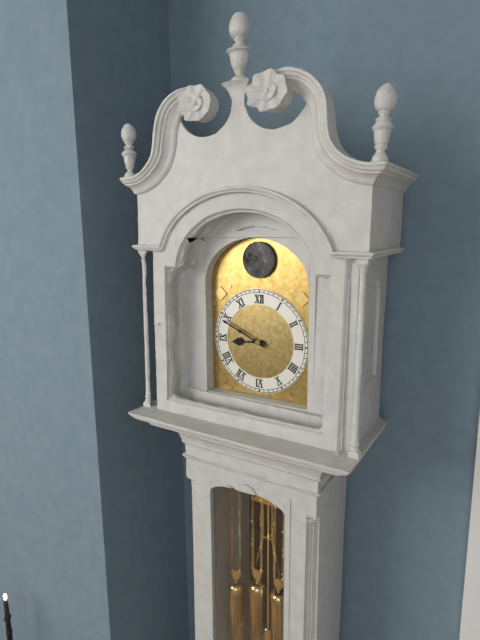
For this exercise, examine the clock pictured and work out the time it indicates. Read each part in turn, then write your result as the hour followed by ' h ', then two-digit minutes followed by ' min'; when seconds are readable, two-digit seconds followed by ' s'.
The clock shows 8 h 49 min
